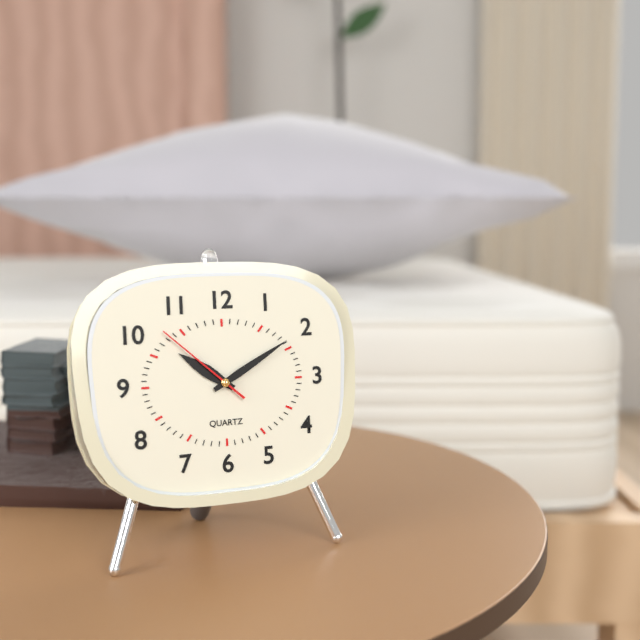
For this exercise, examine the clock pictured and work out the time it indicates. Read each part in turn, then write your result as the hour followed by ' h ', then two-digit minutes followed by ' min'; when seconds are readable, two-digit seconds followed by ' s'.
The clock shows 10 h 10 min 52 s
